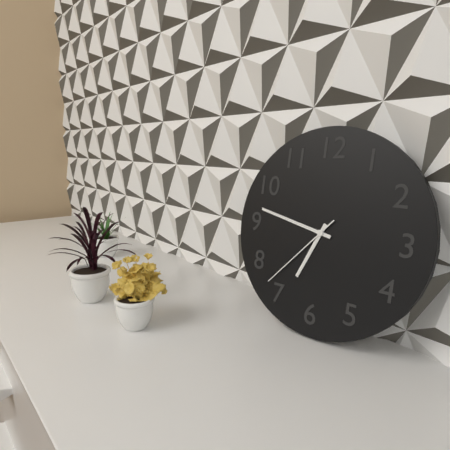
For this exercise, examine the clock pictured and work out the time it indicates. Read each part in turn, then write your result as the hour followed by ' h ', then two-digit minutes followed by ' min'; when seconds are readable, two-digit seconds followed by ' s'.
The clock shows 6 h 47 min 37 s
